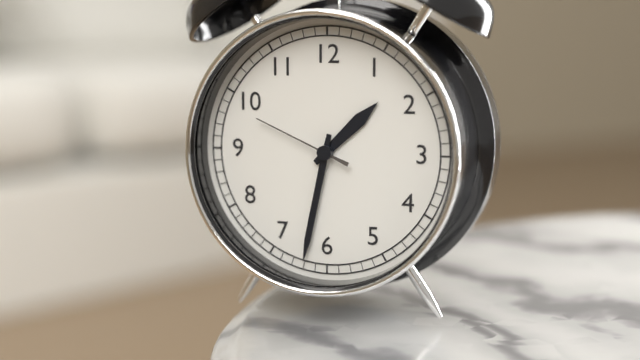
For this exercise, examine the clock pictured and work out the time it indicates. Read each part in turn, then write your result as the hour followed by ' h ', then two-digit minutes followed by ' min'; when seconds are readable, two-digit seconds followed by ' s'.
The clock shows 1 h 32 min 49 s
